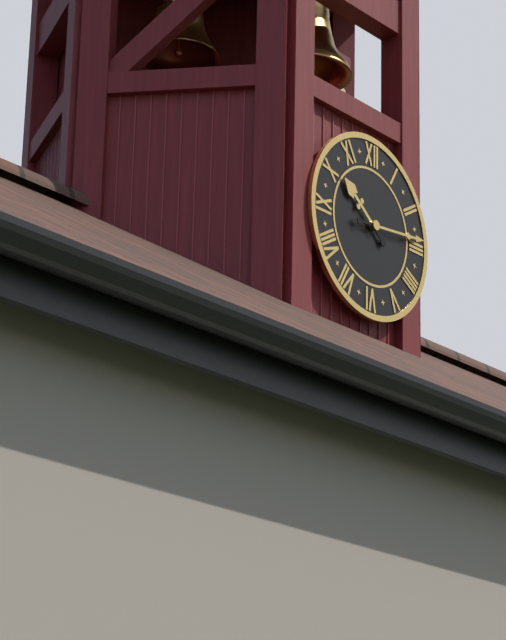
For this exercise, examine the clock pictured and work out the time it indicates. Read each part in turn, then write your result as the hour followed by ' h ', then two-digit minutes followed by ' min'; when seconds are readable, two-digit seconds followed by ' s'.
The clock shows 10 h 14 min
